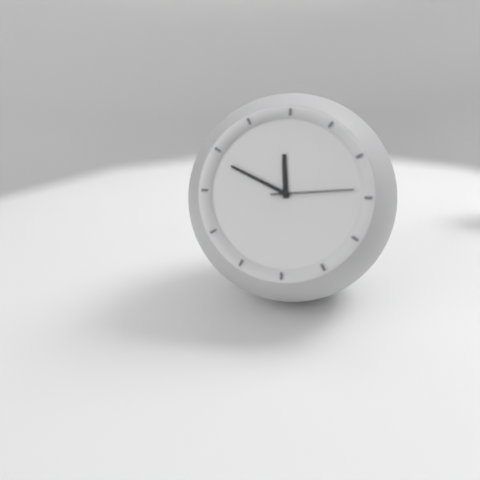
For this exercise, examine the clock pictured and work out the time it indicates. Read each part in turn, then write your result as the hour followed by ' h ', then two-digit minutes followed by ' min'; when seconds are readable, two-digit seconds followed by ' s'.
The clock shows 11 h 49 min 14 s
